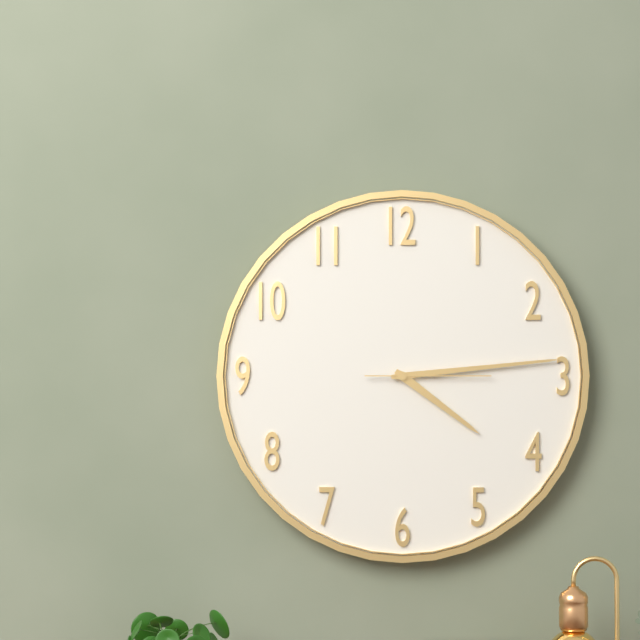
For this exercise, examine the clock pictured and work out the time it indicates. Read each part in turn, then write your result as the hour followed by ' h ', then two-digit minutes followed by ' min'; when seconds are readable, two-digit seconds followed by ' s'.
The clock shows 4 h 14 min 15 s
